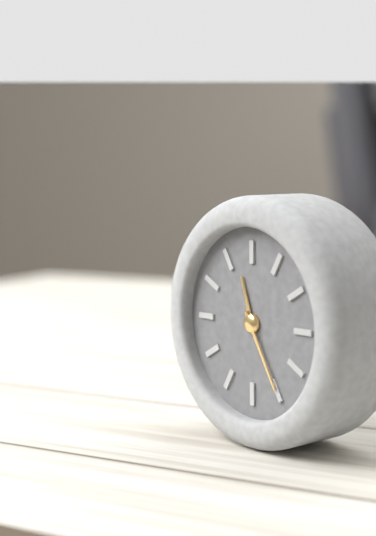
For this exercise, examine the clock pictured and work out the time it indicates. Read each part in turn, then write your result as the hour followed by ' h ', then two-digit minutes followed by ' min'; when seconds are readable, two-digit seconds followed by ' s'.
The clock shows 11 h 25 min
